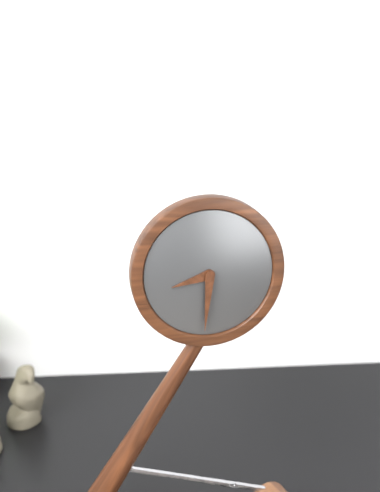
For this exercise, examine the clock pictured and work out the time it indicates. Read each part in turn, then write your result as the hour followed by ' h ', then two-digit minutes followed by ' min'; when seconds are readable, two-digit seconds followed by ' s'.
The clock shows 8 h 31 min
